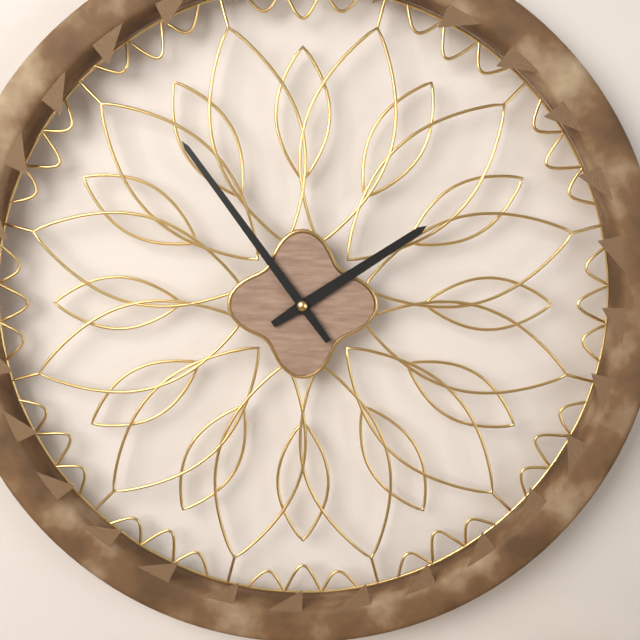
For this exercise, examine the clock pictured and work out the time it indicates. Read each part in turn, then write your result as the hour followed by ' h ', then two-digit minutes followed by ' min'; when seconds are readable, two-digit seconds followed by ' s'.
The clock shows 1 h 54 min
